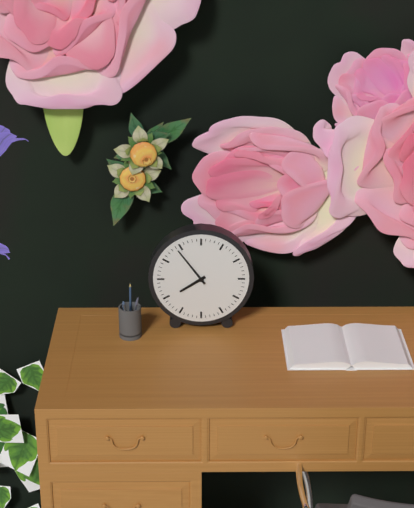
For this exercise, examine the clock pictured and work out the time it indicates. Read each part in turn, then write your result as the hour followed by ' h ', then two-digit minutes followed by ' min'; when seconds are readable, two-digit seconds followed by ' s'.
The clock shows 7 h 54 min
